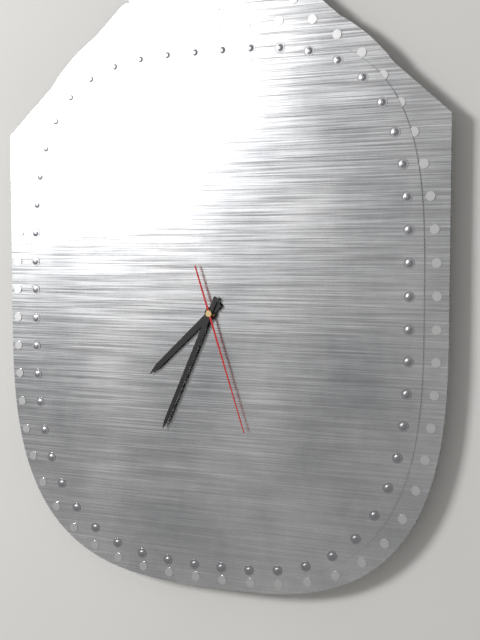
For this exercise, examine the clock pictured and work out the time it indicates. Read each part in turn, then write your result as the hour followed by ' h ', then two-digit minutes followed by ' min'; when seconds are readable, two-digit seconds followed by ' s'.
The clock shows 7 h 34 min 27 s
